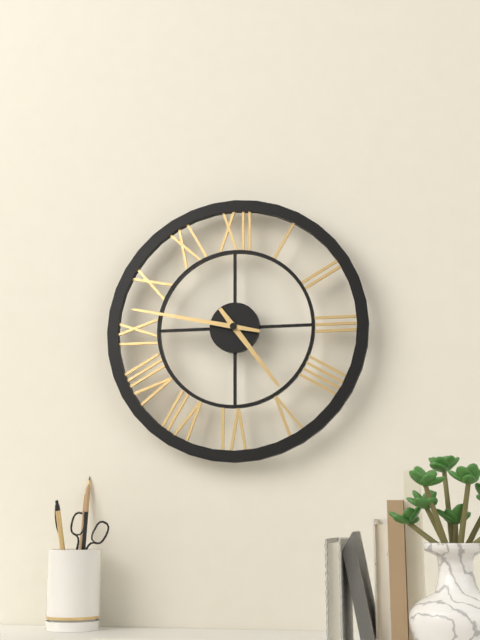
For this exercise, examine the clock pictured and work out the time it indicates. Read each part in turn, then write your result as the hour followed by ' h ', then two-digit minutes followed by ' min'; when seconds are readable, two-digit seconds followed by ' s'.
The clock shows 4 h 47 min
